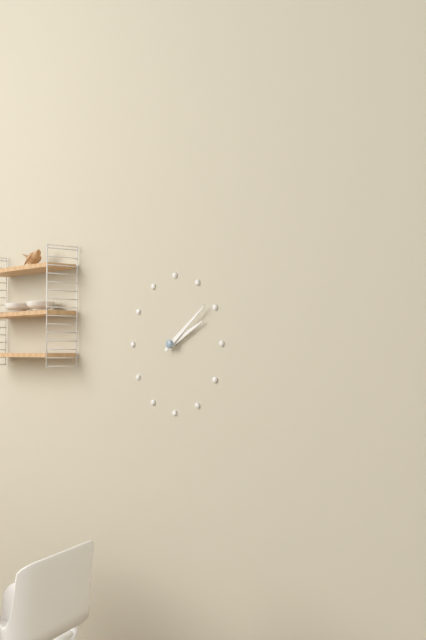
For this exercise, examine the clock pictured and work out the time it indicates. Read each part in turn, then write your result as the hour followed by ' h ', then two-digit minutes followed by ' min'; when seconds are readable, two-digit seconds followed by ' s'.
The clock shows 2 h 09 min
